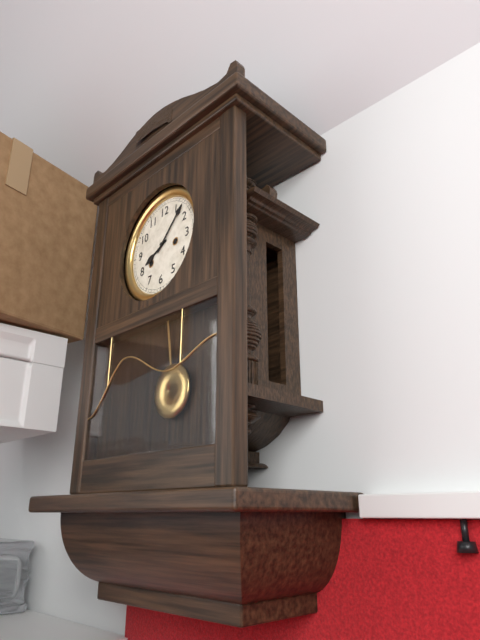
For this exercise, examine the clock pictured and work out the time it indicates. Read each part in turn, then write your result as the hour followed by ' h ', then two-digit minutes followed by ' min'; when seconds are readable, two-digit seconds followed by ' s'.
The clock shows 8 h 07 min
